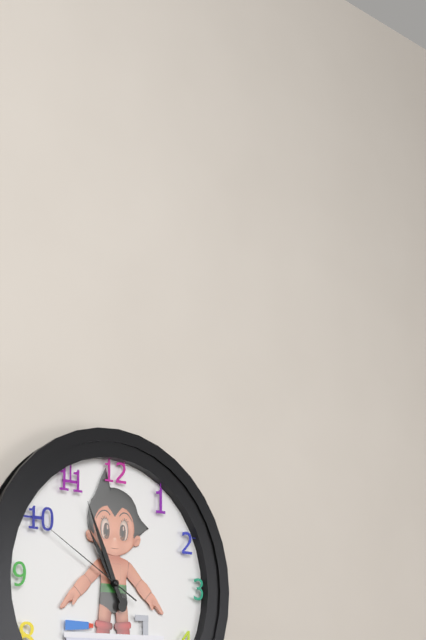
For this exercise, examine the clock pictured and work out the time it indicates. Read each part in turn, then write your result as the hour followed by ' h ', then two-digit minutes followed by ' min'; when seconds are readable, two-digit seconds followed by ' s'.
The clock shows 10 h 56 min 50 s
